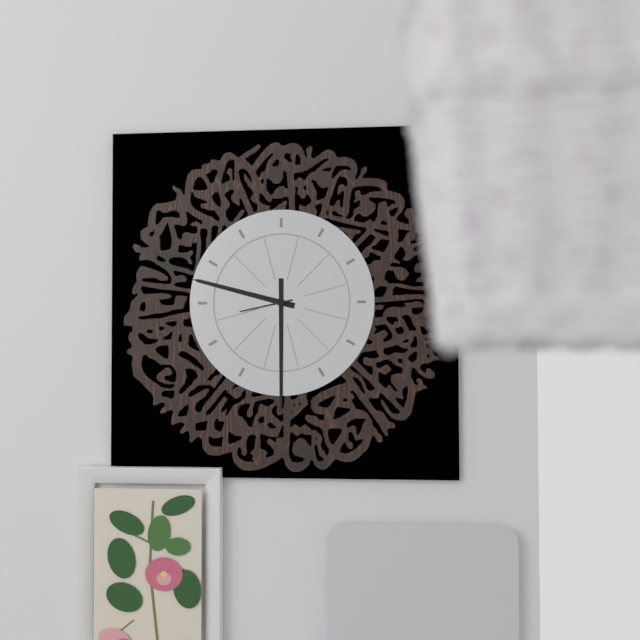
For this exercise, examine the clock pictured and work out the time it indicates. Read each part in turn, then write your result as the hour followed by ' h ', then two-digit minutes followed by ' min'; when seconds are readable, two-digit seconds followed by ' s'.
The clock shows 9 h 30 min 43 s
